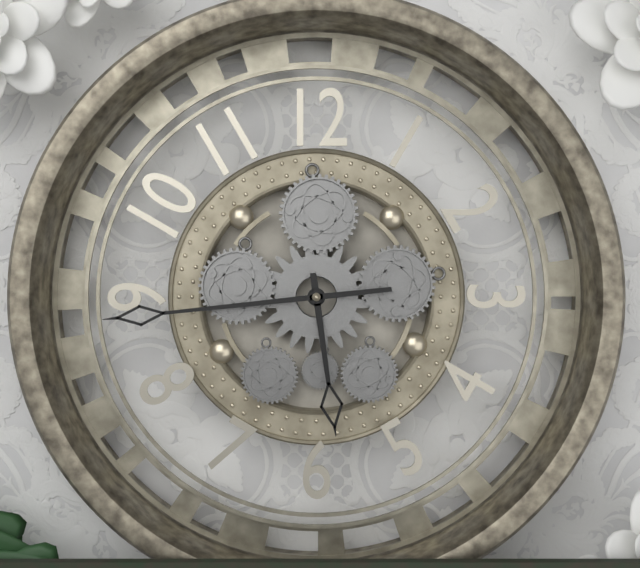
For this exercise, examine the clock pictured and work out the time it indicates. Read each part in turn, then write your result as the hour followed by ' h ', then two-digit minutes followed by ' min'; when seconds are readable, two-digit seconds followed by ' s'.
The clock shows 5 h 44 min
